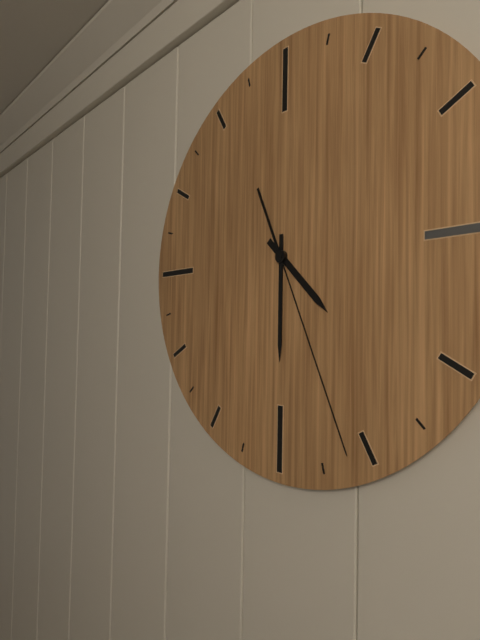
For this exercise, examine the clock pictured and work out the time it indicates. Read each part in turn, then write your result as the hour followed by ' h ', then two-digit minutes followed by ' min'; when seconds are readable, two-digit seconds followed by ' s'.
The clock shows 4 h 30 min 26 s
